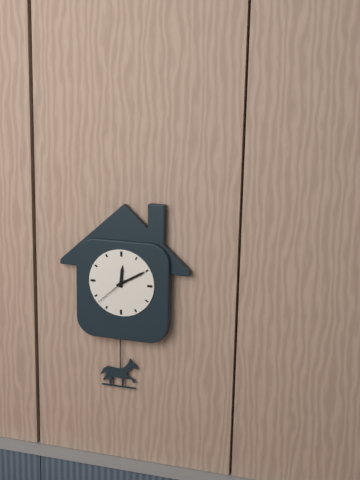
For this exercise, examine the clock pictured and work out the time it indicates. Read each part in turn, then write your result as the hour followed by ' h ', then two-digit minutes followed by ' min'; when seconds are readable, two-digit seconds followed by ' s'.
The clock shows 12 h 10 min
